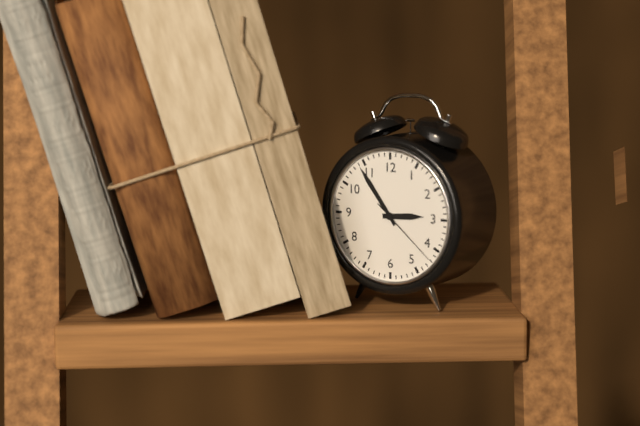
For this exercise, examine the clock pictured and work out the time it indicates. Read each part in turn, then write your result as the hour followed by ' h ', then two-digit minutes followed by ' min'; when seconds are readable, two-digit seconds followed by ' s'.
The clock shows 2 h 54 min 22 s
